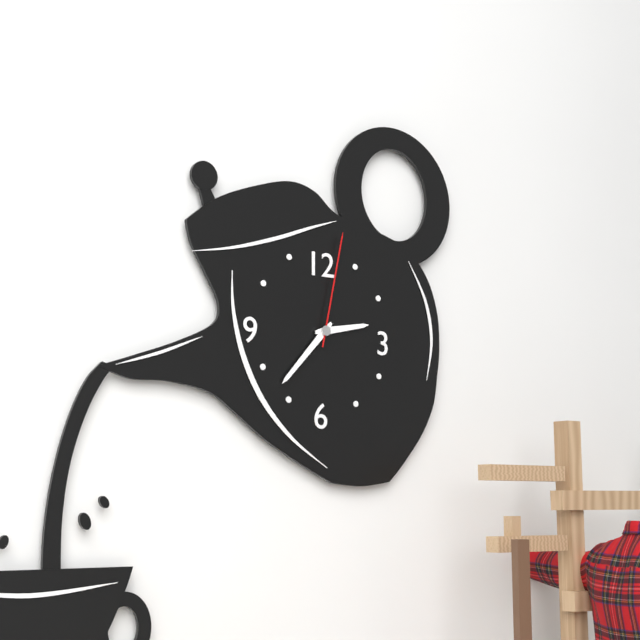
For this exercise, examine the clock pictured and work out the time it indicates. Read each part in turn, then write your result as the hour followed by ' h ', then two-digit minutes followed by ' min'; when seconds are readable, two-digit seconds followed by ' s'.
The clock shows 2 h 37 min 02 s
